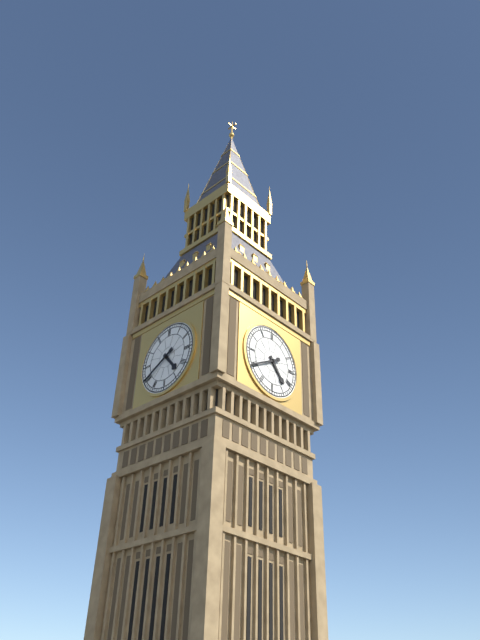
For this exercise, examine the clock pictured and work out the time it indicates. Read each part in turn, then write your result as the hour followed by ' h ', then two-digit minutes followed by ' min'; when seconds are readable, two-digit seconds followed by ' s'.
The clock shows 4 h 40 min
